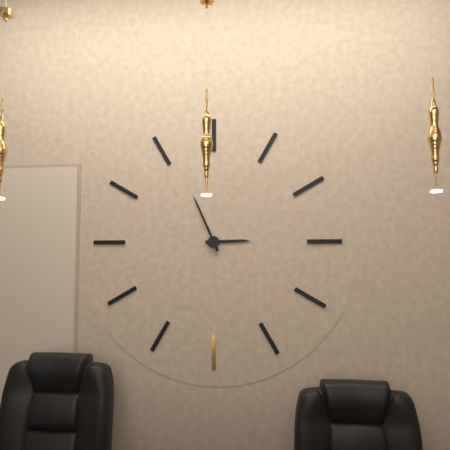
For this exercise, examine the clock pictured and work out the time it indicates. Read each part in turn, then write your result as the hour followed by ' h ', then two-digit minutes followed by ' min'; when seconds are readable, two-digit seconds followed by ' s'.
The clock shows 2 h 56 min
